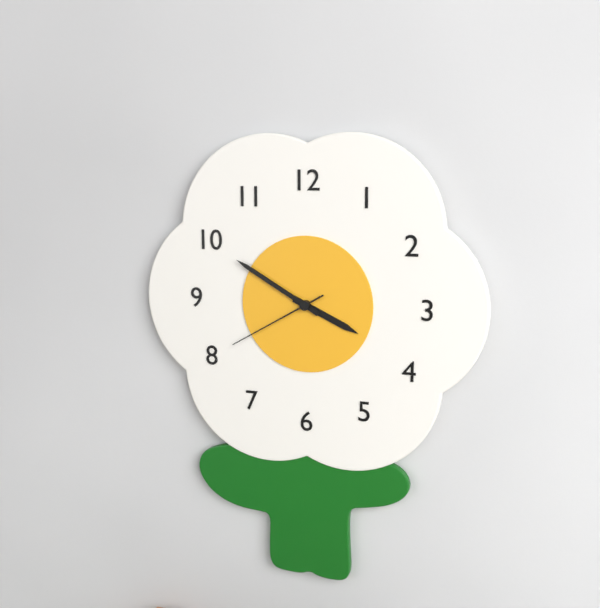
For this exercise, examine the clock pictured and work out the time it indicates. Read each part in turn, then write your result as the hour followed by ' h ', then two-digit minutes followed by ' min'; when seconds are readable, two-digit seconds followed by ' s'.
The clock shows 3 h 50 min 40 s
